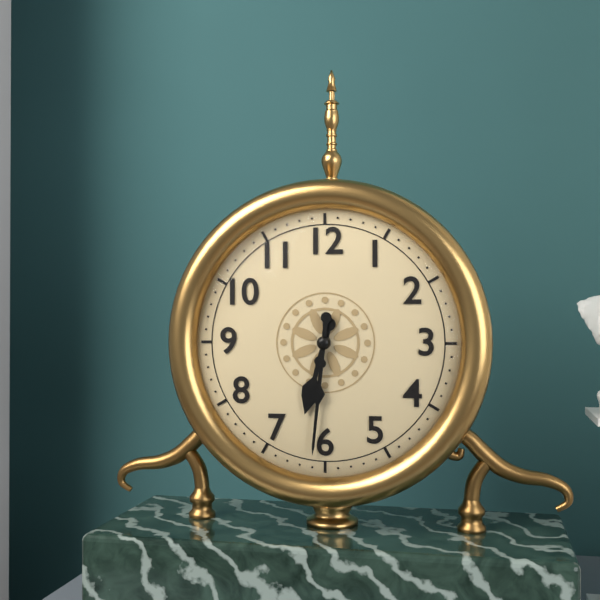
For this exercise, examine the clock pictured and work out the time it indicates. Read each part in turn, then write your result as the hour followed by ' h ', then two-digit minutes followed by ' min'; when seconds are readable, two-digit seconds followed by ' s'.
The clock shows 6 h 31 min
